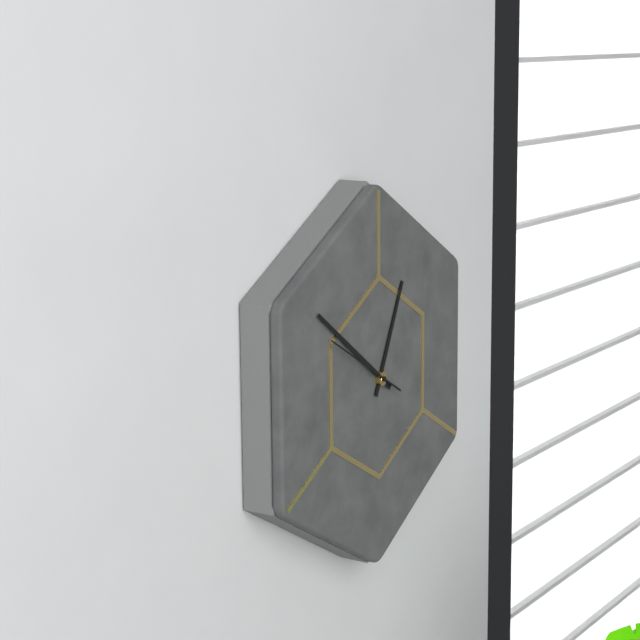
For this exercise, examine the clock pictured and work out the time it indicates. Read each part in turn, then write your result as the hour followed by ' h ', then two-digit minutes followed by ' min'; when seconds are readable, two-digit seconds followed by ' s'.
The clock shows 12 h 51 min 50 s
